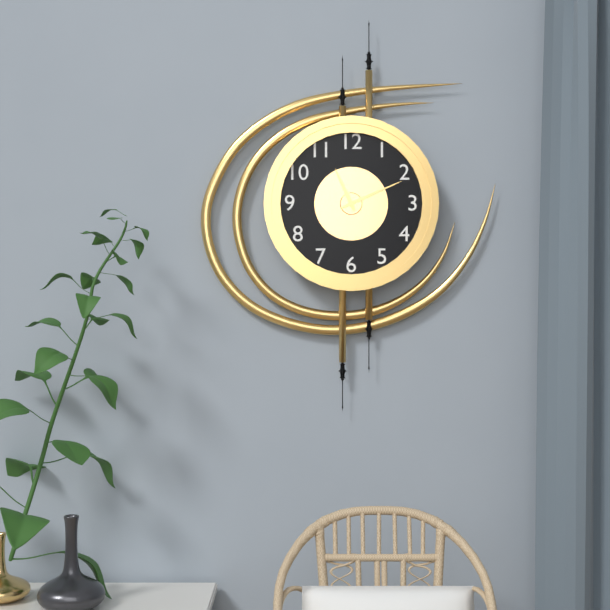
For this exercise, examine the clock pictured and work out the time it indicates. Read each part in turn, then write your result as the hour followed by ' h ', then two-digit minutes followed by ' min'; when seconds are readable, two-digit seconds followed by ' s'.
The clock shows 11 h 11 min
